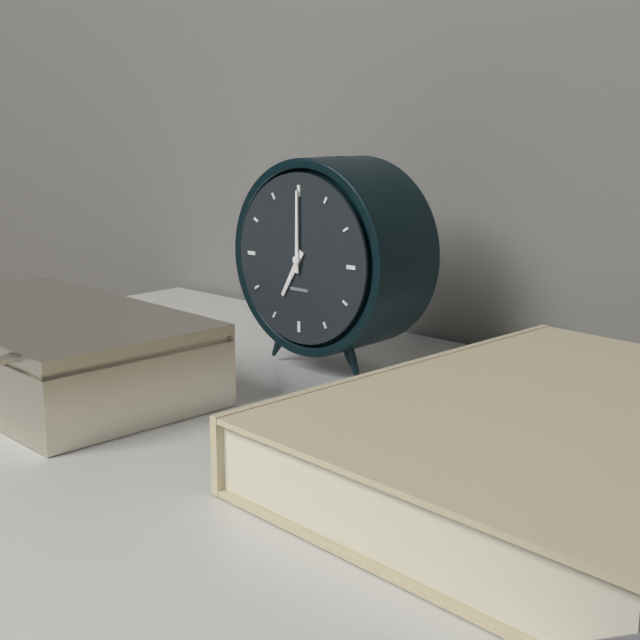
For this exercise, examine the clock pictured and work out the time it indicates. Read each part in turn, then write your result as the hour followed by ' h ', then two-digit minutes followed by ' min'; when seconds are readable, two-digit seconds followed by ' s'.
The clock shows 7 h 00 min
